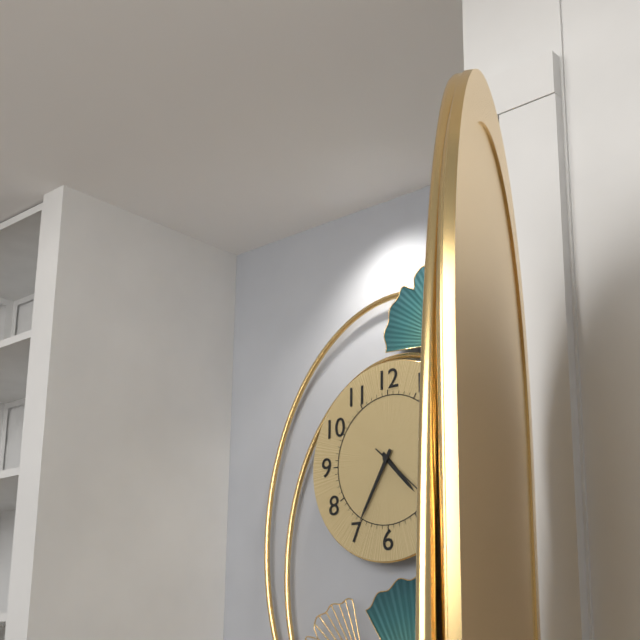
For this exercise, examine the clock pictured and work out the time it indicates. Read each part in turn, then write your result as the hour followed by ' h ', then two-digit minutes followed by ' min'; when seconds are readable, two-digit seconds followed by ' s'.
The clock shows 4 h 35 min
